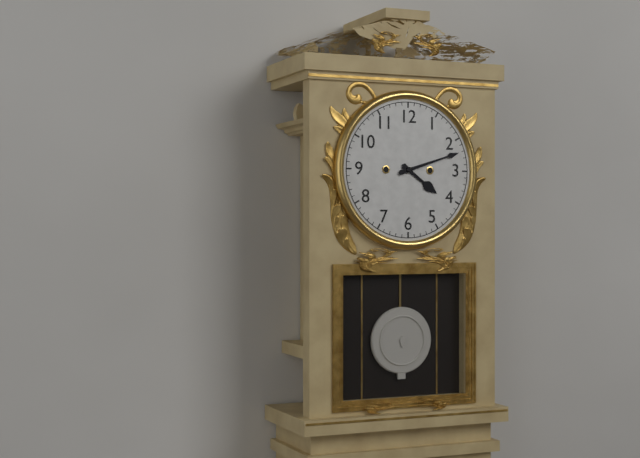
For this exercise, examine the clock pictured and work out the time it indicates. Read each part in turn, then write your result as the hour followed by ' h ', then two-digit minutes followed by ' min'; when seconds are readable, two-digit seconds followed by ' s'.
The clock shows 4 h 12 min
